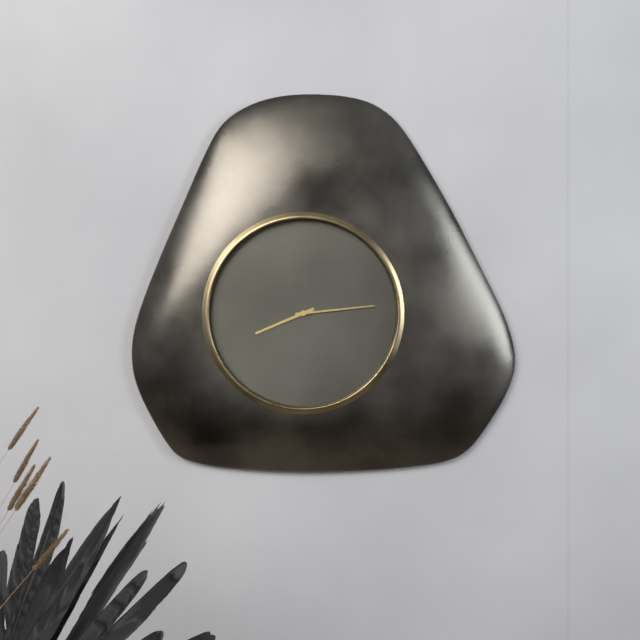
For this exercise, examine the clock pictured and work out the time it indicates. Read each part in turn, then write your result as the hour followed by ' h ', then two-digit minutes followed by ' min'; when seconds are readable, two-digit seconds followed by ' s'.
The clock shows 8 h 14 min
